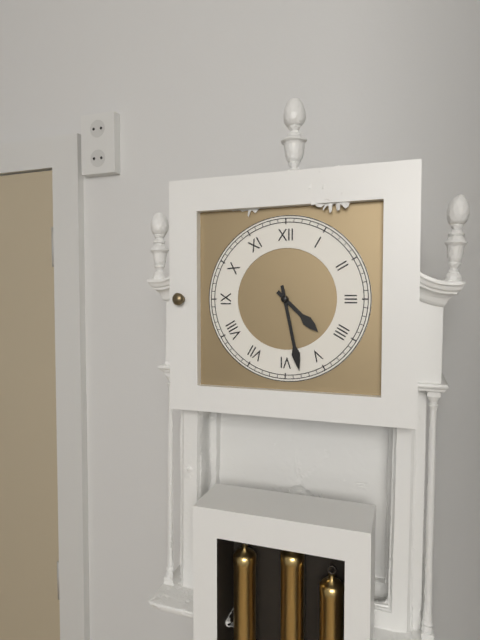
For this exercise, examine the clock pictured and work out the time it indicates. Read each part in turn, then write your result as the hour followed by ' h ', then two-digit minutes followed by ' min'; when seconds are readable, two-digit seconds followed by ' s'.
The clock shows 4 h 28 min
